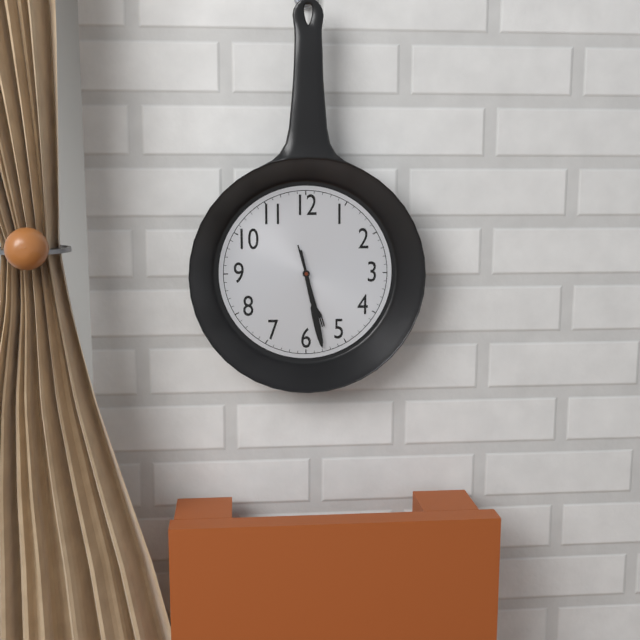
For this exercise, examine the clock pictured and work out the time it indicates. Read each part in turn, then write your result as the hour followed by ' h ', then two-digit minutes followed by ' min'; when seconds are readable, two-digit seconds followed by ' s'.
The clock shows 5 h 28 min
